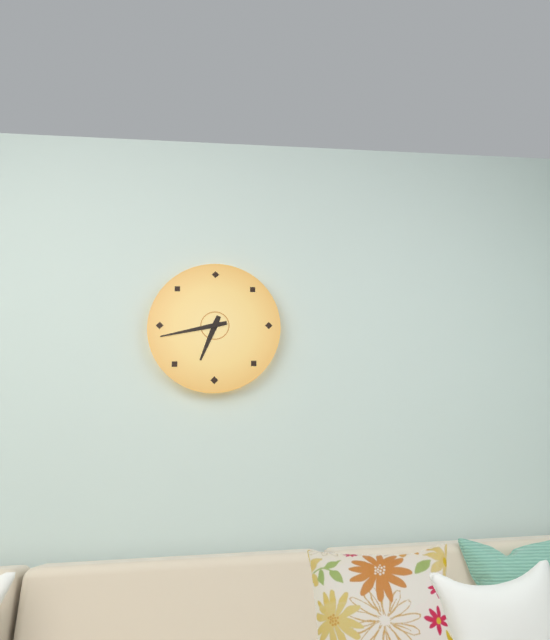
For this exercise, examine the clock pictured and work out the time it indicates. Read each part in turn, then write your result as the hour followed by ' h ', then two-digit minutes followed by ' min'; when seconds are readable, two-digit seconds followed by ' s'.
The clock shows 6 h 43 min
